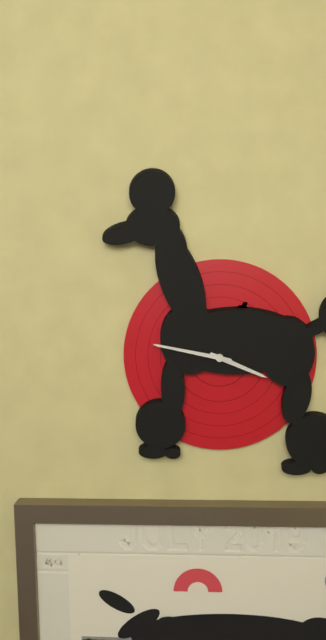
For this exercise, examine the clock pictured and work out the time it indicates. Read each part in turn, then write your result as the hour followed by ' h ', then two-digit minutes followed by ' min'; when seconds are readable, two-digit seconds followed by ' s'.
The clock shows 3 h 47 min
